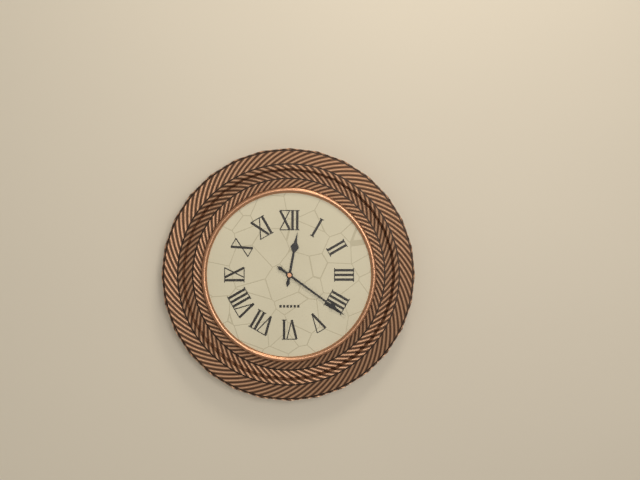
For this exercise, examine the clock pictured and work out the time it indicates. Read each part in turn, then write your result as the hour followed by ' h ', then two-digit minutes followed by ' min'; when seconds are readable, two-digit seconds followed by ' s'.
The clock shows 12 h 21 min
